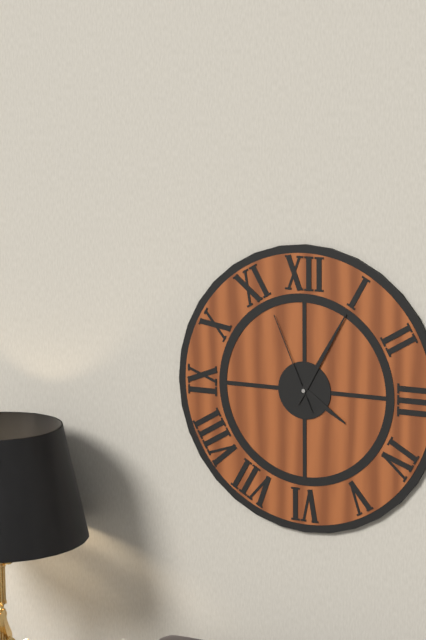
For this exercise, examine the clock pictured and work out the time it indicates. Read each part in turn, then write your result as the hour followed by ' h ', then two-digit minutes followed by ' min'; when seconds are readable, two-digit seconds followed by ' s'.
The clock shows 4 h 05 min 56 s
